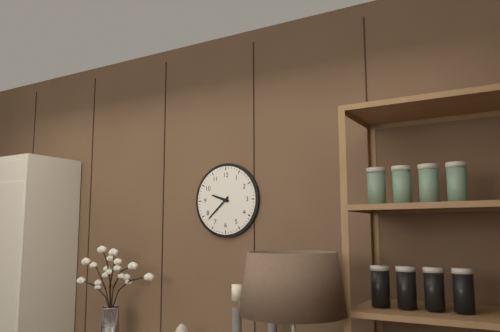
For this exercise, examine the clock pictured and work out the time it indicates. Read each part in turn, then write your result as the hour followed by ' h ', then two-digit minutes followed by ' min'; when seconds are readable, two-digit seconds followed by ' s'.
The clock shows 9 h 38 min
